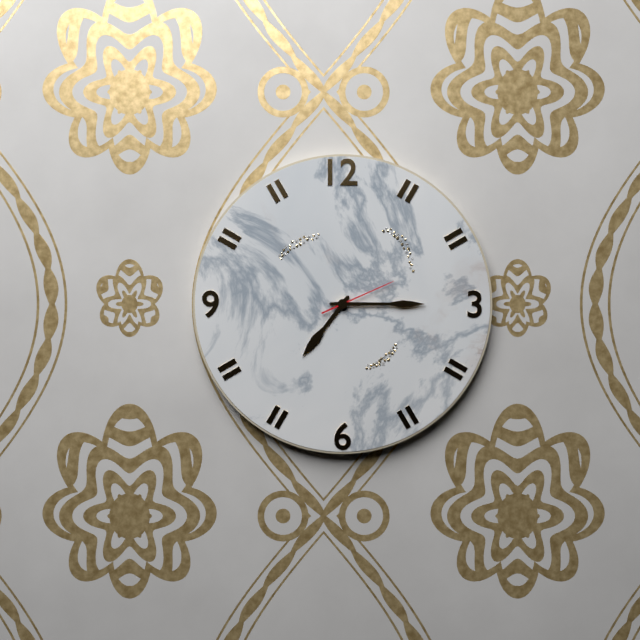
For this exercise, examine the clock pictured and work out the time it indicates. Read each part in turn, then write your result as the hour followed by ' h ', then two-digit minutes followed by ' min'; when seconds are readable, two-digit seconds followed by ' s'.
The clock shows 7 h 15 min 11 s
